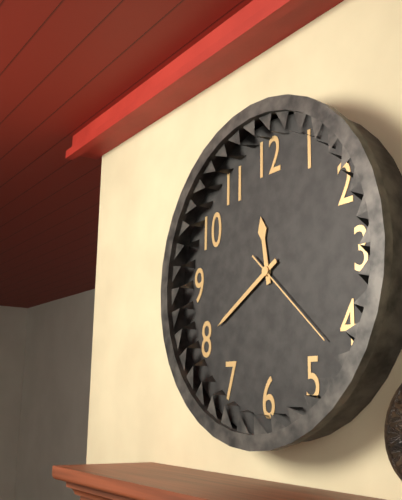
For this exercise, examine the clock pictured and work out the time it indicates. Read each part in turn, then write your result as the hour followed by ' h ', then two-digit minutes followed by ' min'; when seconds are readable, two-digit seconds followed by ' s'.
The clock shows 11 h 40 min 22 s
